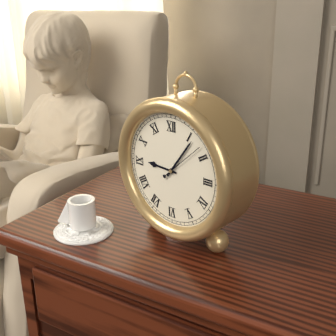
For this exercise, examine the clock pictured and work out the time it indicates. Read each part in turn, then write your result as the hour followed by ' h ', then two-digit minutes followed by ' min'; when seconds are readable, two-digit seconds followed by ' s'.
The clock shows 9 h 06 min
